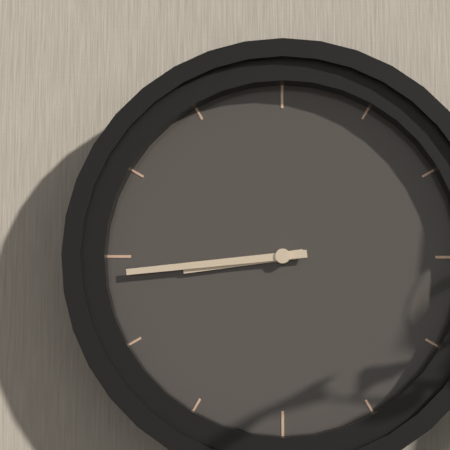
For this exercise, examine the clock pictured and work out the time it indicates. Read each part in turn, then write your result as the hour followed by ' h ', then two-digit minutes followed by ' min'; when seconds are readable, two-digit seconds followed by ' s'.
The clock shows 8 h 44 min
